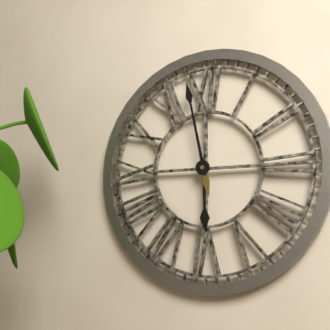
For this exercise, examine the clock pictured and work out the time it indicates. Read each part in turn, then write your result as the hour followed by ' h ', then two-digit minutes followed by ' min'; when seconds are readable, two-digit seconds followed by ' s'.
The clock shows 5 h 58 min
